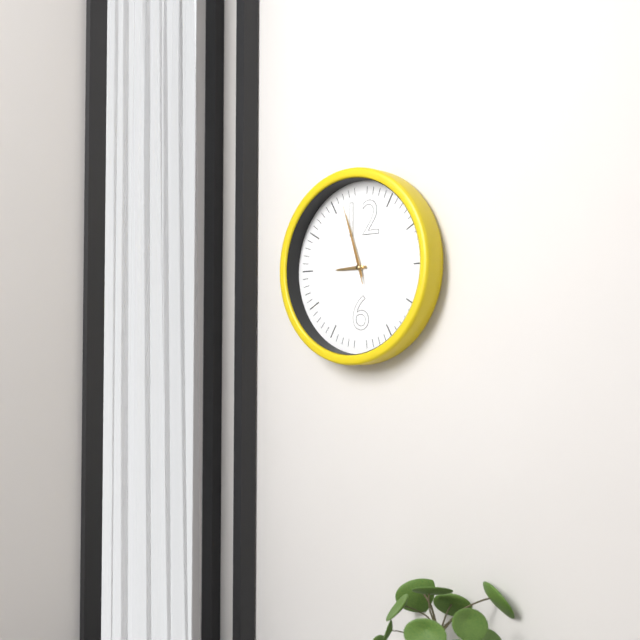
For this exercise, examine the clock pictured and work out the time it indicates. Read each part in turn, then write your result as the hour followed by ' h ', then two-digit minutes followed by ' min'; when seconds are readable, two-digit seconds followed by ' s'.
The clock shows 8 h 57 min 57 s
